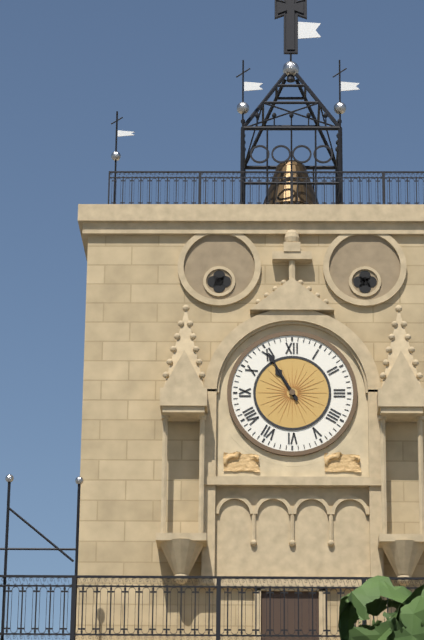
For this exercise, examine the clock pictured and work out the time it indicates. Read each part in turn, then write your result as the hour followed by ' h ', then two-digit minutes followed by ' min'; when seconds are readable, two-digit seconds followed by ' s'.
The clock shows 10 h 55 min
